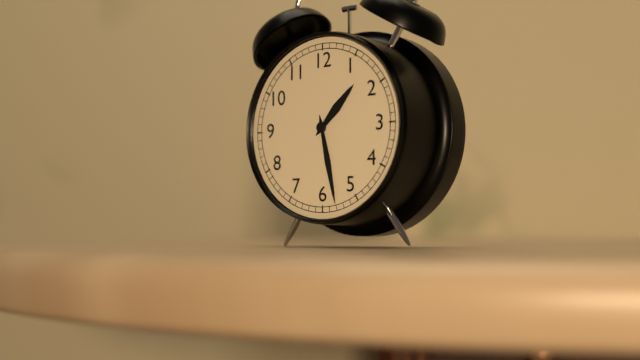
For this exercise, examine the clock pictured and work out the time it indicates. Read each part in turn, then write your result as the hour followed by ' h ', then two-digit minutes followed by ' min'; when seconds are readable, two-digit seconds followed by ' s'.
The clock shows 1 h 28 min
